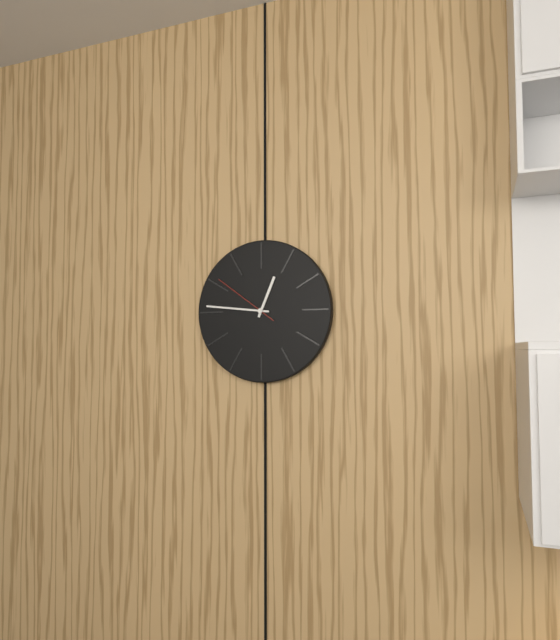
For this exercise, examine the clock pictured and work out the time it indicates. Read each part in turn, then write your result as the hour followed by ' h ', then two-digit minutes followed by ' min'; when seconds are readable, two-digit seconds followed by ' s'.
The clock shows 12 h 46 min 51 s
